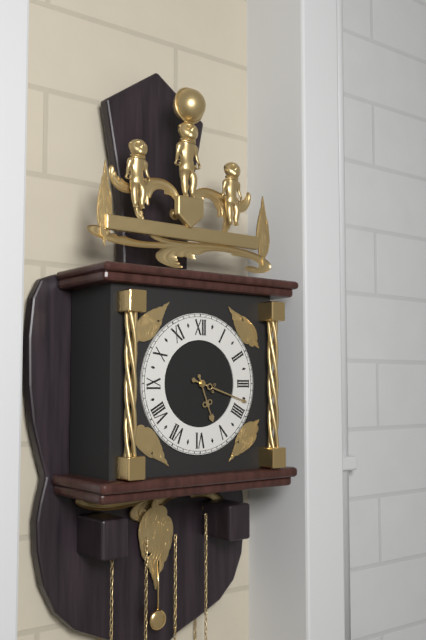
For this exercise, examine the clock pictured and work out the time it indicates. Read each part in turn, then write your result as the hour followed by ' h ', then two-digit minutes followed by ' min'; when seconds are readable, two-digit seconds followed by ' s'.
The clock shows 5 h 18 min
